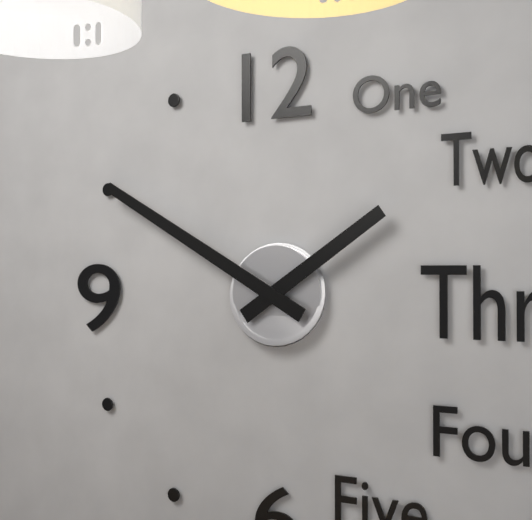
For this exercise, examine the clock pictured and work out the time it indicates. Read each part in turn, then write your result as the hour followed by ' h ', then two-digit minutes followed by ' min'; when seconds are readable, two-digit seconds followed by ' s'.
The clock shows 1 h 50 min
